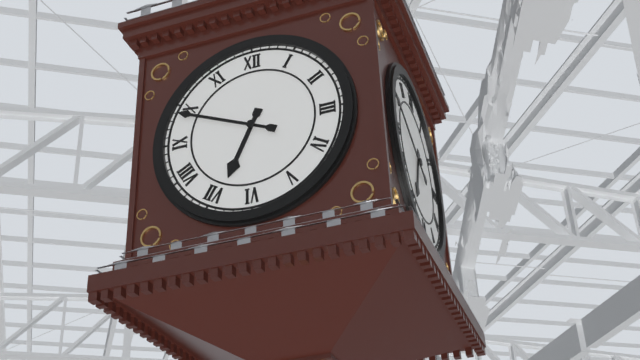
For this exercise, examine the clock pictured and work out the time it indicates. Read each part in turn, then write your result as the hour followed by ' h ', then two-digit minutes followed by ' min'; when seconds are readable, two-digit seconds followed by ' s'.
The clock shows 6 h 49 min
